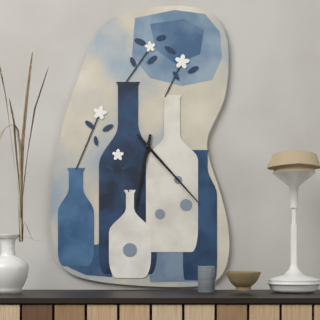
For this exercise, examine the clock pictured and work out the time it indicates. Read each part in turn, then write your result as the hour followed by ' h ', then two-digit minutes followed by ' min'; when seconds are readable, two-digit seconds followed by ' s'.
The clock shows 6 h 23 min
